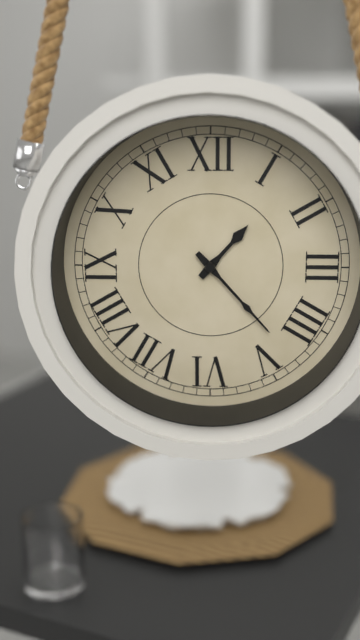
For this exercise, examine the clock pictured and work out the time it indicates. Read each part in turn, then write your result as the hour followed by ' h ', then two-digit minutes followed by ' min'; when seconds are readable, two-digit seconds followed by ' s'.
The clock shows 1 h 23 min
